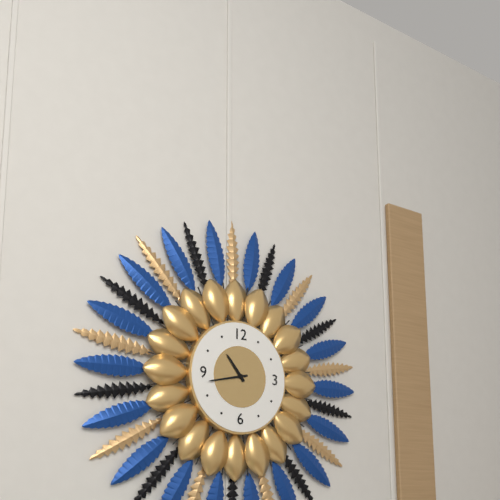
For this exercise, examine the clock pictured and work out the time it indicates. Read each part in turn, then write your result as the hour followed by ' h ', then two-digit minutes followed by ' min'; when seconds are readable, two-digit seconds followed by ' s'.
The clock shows 10 h 43 min
